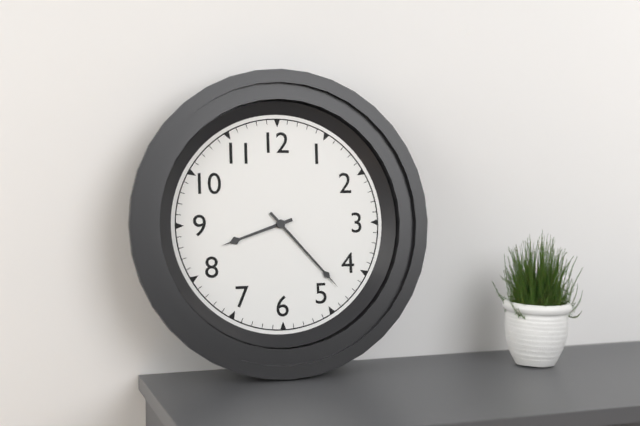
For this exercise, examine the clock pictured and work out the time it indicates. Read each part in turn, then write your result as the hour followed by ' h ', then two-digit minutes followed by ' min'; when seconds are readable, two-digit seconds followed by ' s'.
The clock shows 8 h 23 min
